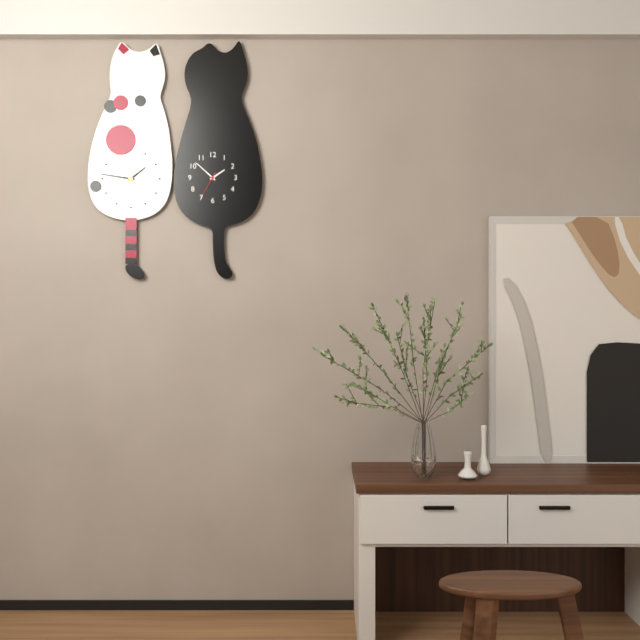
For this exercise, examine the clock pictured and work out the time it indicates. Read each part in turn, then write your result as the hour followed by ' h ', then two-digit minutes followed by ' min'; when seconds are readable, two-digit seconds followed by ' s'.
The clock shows 1 h 52 min
